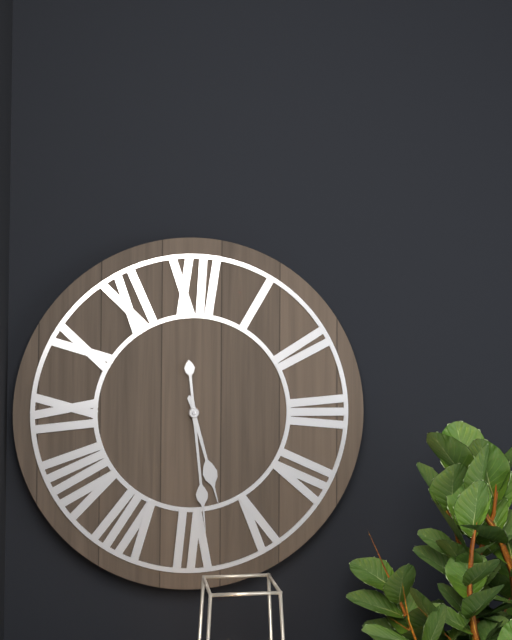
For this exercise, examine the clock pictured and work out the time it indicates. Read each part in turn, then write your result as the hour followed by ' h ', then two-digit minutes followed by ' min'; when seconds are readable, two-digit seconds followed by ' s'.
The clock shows 5 h 29 min
